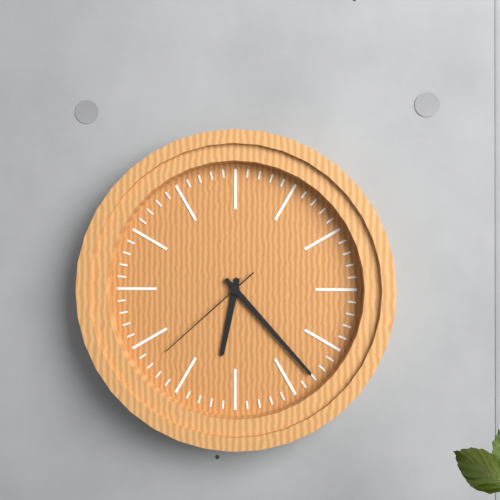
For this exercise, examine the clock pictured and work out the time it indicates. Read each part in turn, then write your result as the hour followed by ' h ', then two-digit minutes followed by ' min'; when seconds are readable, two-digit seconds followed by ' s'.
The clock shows 6 h 23 min 38 s
